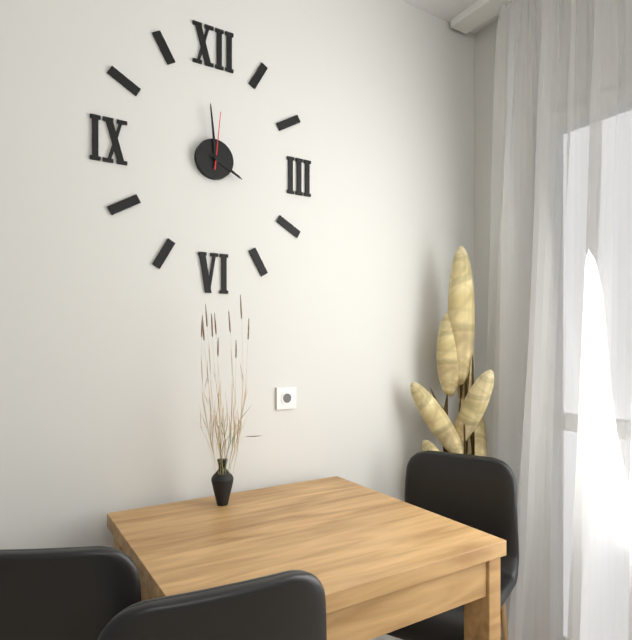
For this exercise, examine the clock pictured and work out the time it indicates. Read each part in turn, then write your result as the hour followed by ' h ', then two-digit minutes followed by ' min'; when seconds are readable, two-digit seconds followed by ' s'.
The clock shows 3 h 59 min 01 s
